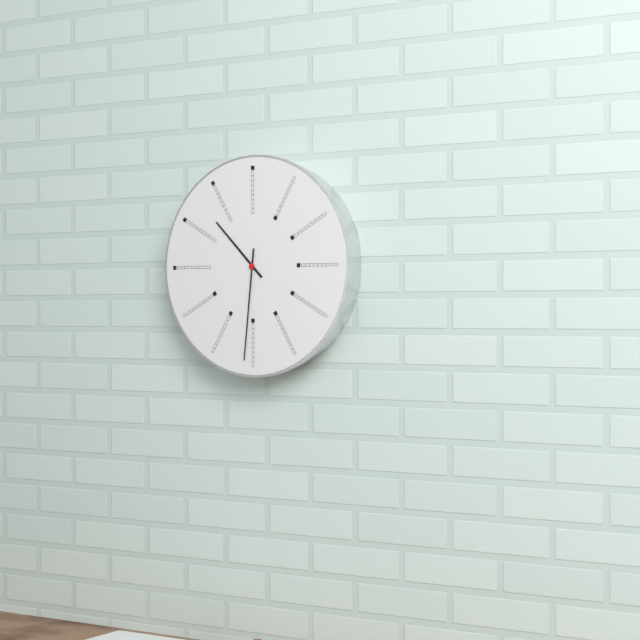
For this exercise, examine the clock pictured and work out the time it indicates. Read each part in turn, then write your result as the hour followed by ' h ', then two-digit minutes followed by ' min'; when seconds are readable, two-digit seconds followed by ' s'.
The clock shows 10 h 31 min
